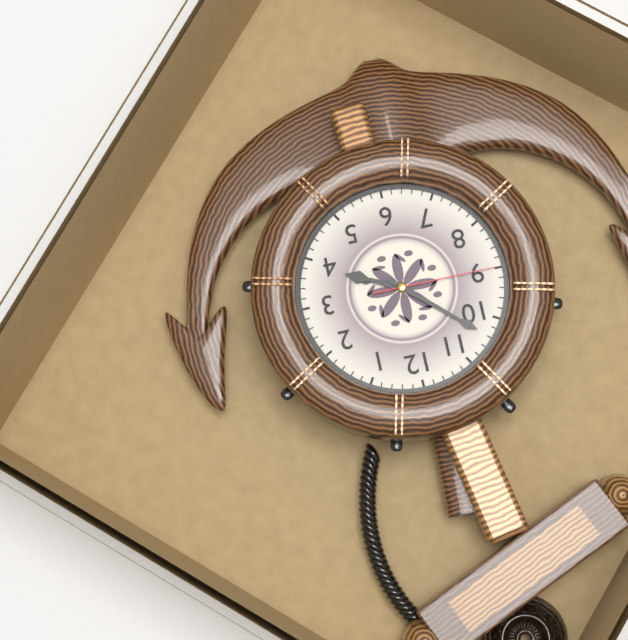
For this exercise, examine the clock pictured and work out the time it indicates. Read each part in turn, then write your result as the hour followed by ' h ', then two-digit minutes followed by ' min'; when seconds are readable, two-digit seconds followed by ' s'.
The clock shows 3 h 52 min 45 s
